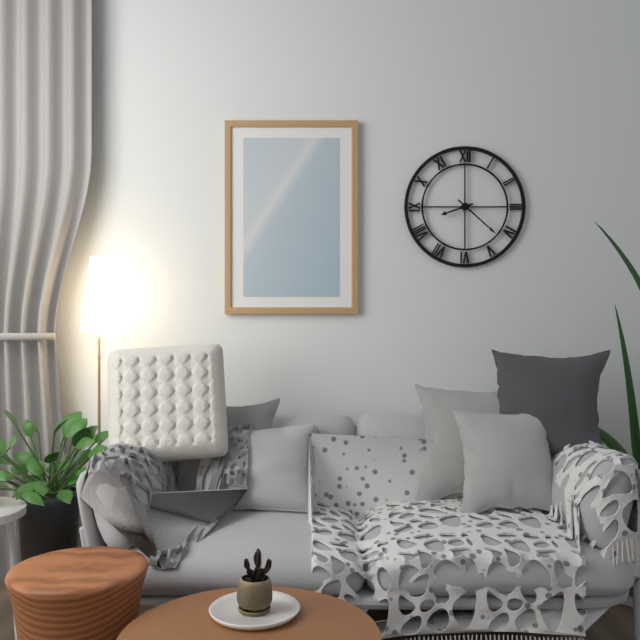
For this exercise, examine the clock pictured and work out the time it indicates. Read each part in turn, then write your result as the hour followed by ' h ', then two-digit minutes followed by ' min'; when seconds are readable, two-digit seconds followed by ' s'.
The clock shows 8 h 22 min
